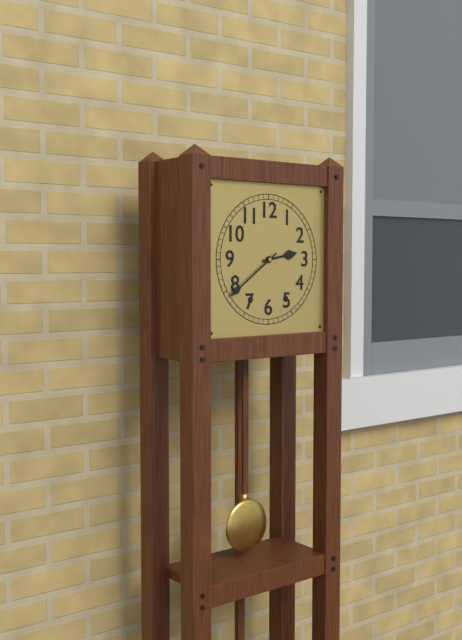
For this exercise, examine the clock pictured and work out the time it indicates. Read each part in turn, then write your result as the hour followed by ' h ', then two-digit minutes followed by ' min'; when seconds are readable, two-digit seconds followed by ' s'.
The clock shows 2 h 39 min
